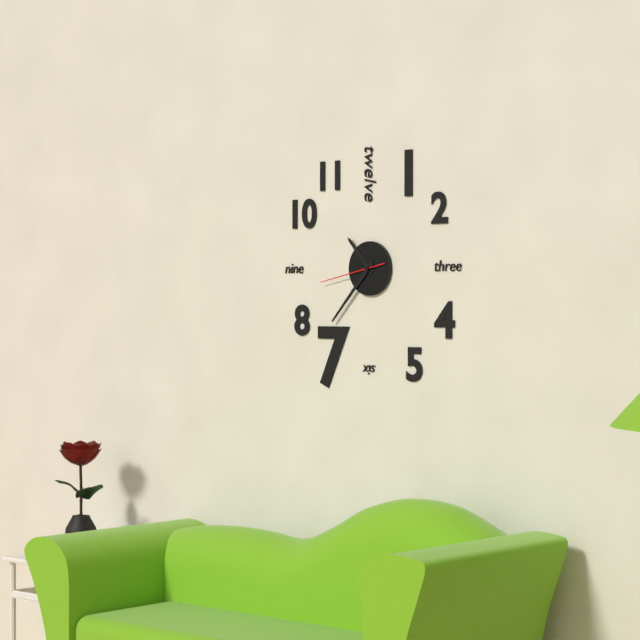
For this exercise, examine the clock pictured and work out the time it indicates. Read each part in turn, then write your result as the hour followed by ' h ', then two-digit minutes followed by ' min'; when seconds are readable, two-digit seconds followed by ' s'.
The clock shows 10 h 37 min 43 s
